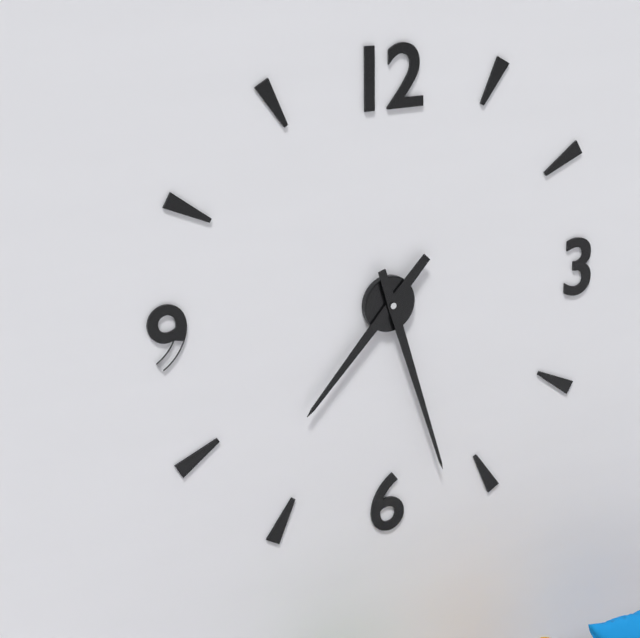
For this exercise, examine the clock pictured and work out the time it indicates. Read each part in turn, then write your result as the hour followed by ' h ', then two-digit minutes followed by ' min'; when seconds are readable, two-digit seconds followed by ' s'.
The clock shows 7 h 27 min
